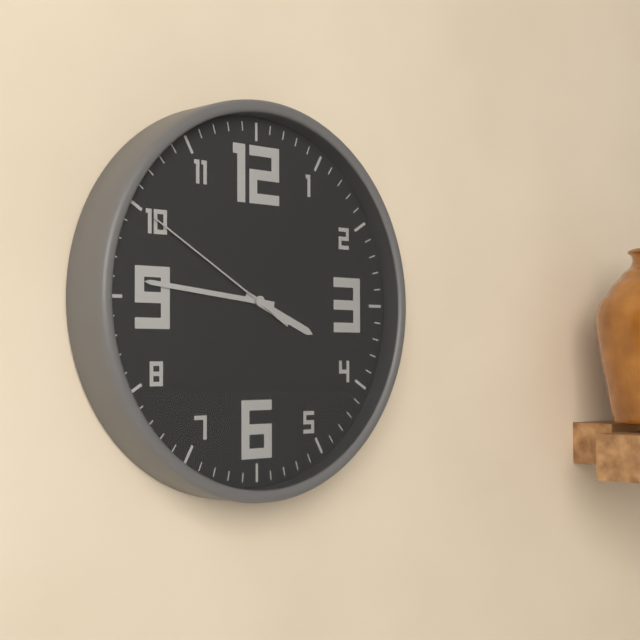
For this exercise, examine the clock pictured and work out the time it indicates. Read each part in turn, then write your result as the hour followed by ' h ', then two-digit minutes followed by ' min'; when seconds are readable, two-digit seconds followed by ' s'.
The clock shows 3 h 46 min 50 s
